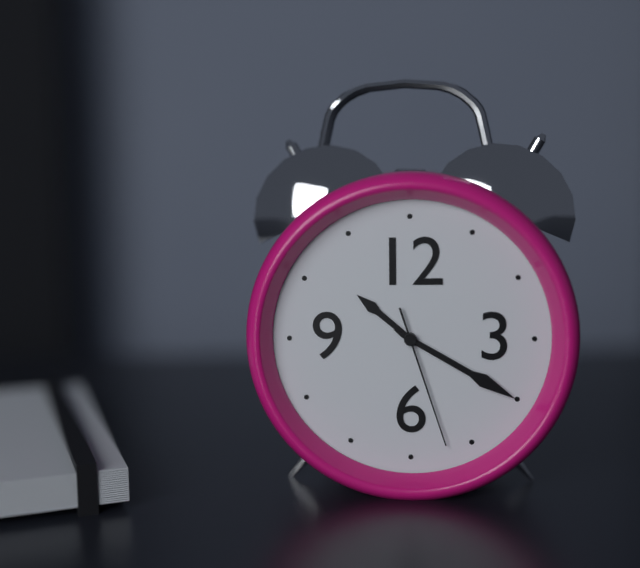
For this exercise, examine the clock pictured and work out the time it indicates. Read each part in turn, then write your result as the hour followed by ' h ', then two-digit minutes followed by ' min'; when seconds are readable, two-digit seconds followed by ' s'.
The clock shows 10 h 20 min 27 s
